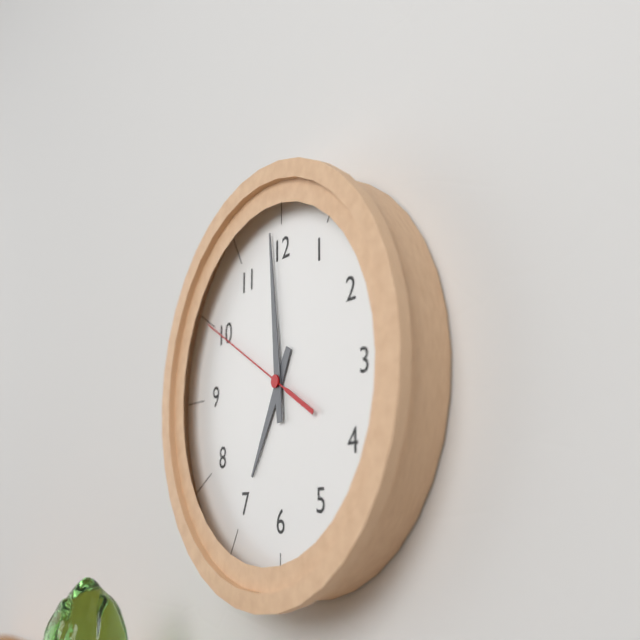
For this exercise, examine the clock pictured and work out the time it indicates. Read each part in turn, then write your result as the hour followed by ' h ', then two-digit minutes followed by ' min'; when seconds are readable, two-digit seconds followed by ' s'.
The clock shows 6 h 59 min 50 s
